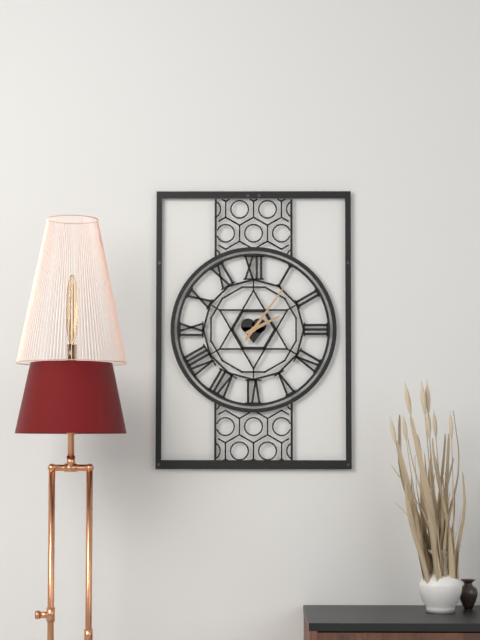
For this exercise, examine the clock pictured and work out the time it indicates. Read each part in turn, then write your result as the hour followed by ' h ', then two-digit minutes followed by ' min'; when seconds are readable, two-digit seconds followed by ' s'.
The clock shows 2 h 06 min
